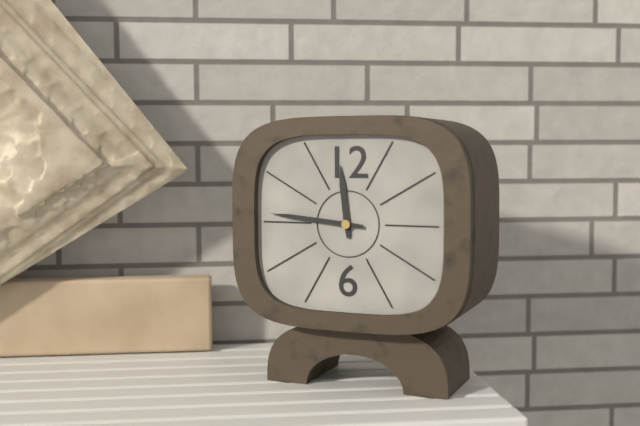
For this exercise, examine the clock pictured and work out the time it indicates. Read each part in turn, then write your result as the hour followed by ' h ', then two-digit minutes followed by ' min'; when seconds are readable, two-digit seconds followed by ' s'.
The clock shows 11 h 46 min
